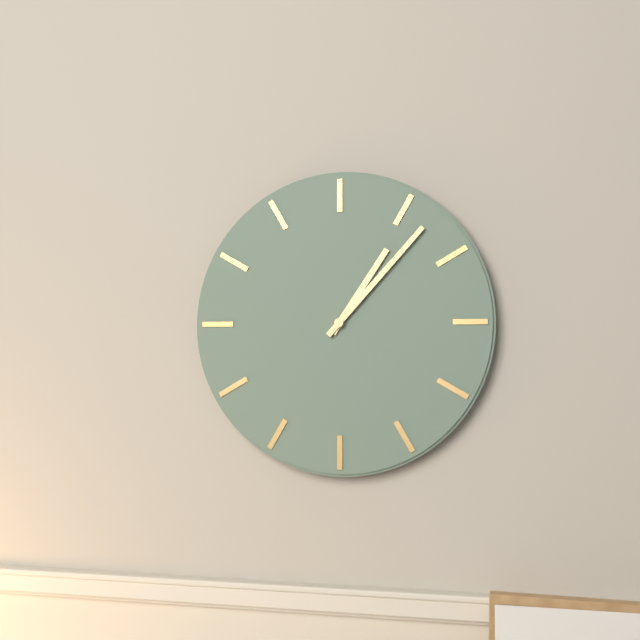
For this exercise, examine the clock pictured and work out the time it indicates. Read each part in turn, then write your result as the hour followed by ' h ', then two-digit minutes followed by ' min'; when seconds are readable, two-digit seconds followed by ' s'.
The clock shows 1 h 07 min
